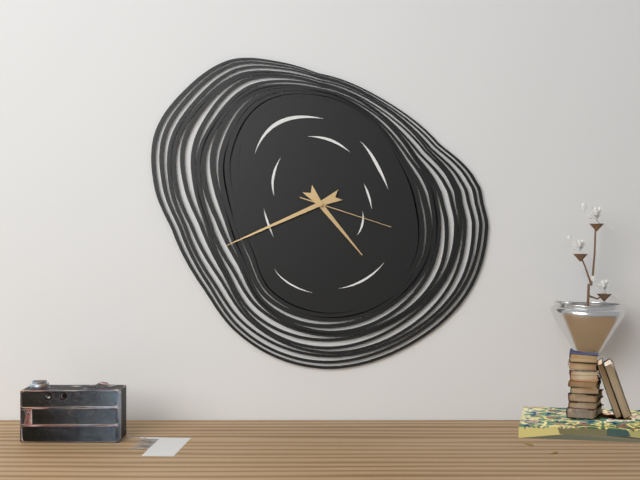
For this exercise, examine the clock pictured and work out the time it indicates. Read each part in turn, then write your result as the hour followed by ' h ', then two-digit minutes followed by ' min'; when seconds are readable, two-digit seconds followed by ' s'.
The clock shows 4 h 41 min 18 s
